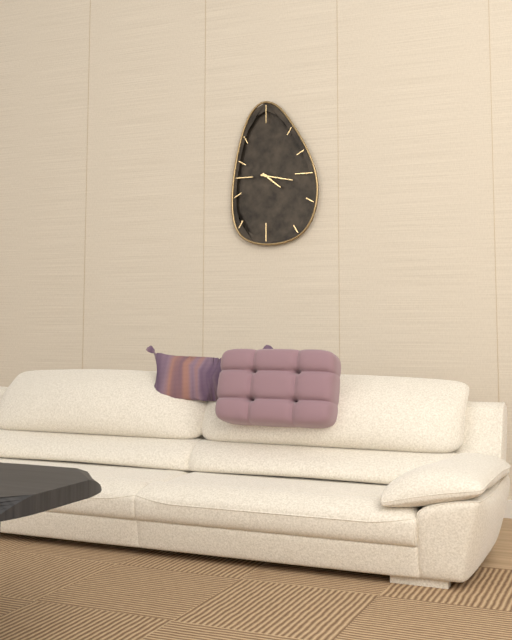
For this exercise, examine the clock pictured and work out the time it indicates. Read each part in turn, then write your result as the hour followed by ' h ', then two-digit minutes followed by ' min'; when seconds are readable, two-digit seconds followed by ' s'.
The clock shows 4 h 17 min
